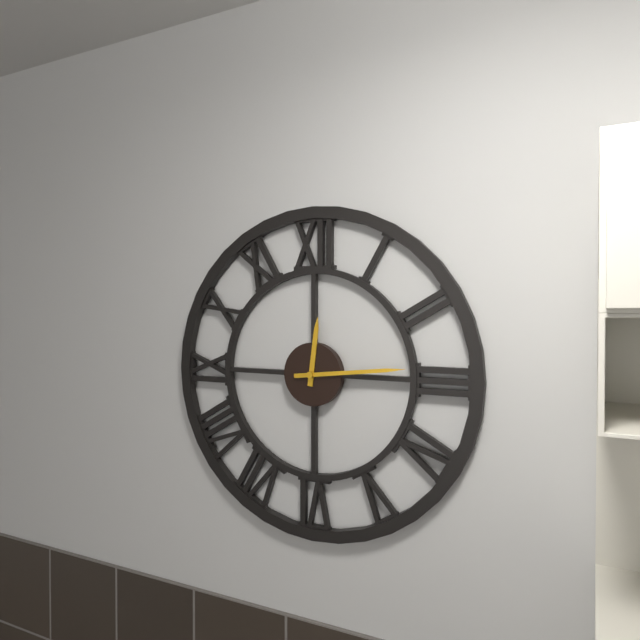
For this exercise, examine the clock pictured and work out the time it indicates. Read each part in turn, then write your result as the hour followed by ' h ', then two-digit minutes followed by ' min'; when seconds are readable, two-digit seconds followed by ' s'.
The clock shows 12 h 14 min
